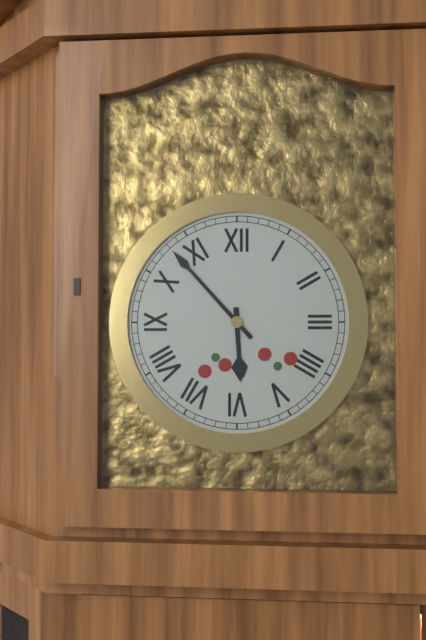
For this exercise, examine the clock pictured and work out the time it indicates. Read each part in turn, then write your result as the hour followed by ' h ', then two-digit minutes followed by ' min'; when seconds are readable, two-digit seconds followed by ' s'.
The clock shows 5 h 53 min
